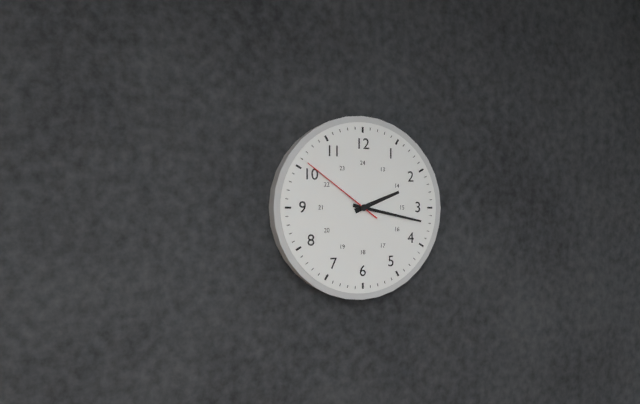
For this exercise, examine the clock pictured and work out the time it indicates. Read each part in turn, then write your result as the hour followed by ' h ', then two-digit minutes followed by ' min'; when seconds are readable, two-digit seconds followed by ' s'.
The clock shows 2 h 17 min 51 s
